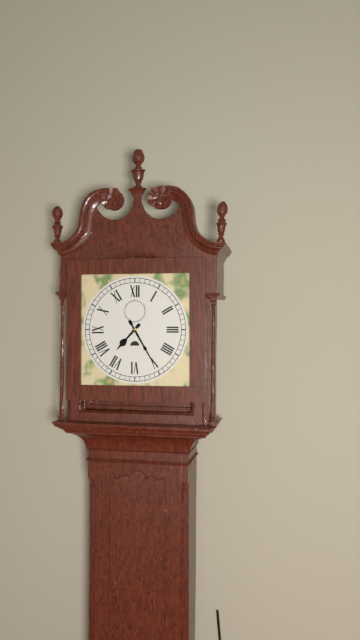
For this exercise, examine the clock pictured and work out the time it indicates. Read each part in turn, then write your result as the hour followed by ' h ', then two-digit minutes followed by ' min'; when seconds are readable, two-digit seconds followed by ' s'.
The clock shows 7 h 25 min
